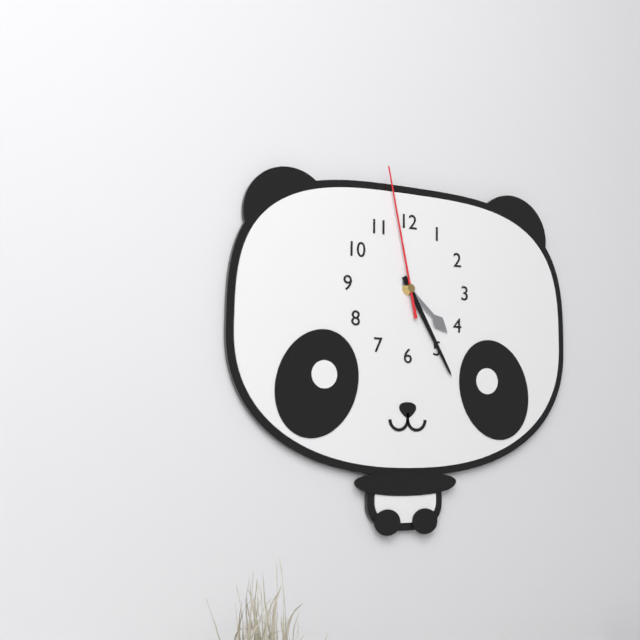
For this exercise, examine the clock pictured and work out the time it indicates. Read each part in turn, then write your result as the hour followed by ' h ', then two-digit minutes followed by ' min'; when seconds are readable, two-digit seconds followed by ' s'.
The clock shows 4 h 25 min 58 s
